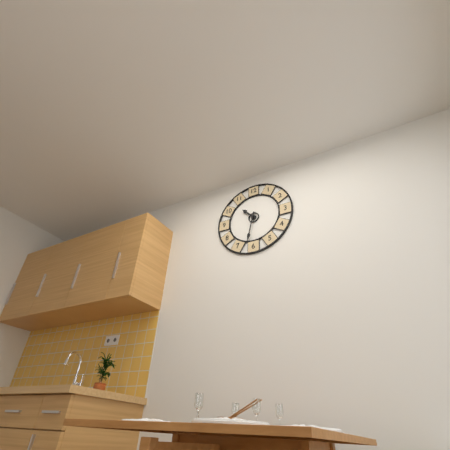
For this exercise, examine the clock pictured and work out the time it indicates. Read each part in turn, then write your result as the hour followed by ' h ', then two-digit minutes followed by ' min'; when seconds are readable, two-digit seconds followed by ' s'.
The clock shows 10 h 32 min
